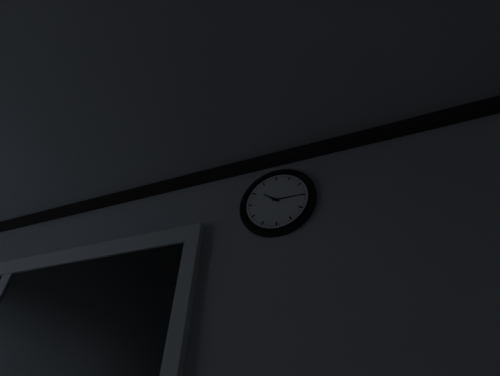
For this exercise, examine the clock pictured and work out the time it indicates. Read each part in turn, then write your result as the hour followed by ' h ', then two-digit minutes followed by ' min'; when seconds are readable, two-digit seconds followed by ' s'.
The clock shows 10 h 15 min
